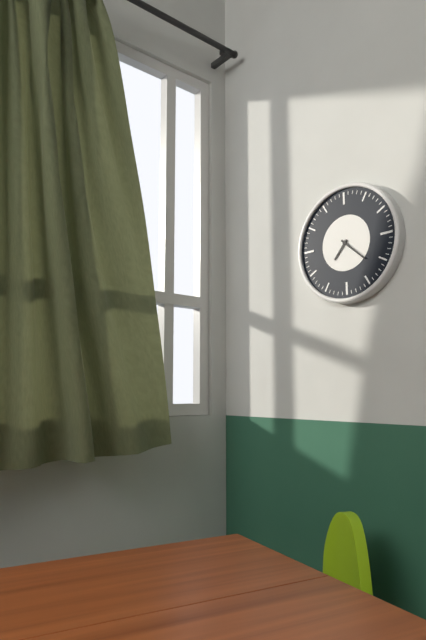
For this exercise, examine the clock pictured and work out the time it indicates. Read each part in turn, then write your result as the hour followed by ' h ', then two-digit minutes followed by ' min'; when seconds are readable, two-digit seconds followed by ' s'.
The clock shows 7 h 22 min
